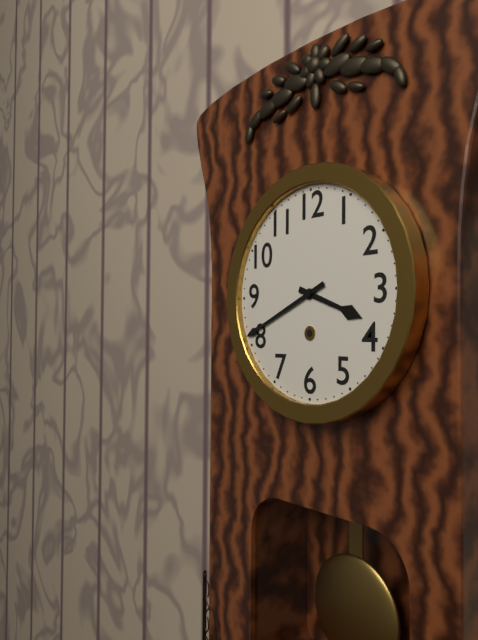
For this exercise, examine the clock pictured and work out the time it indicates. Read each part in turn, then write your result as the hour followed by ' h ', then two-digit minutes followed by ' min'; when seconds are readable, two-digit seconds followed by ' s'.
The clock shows 3 h 41 min
